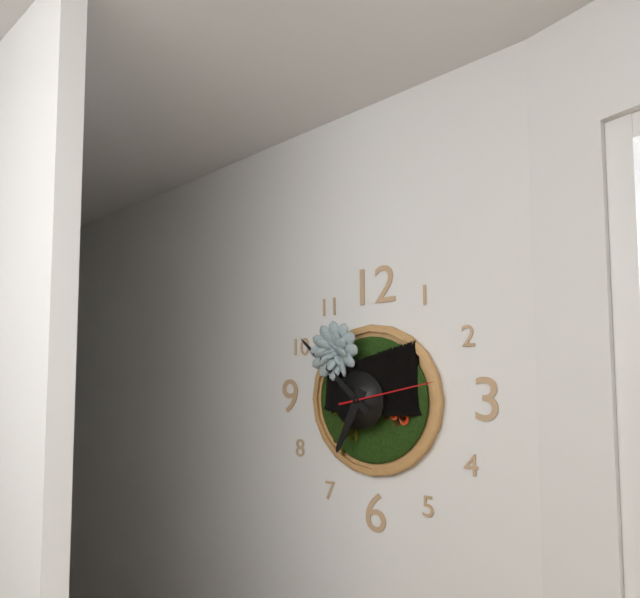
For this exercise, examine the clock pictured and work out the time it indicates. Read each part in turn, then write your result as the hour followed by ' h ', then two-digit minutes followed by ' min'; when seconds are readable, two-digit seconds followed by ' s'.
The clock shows 6 h 52 min 13 s
